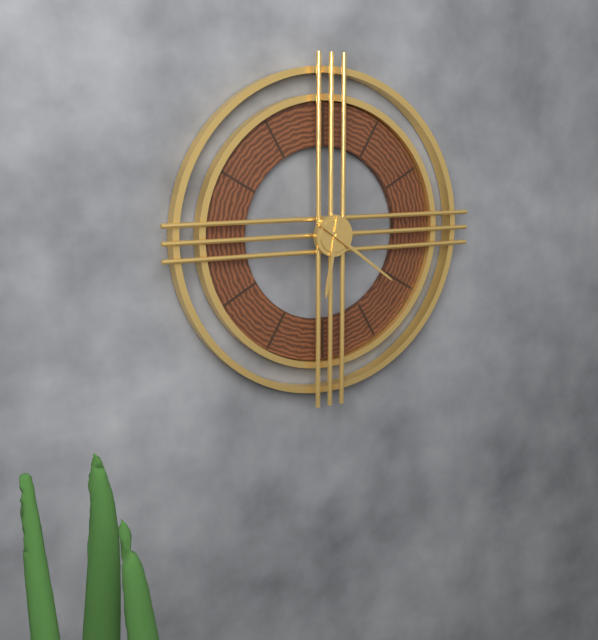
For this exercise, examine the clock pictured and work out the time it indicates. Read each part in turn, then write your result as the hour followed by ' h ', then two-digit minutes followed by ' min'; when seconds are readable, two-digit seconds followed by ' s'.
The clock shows 6 h 21 min
